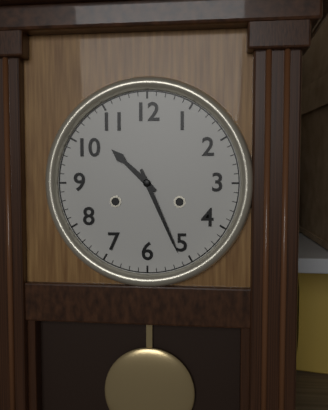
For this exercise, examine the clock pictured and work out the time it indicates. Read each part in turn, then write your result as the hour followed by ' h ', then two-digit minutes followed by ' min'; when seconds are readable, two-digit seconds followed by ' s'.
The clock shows 10 h 26 min
